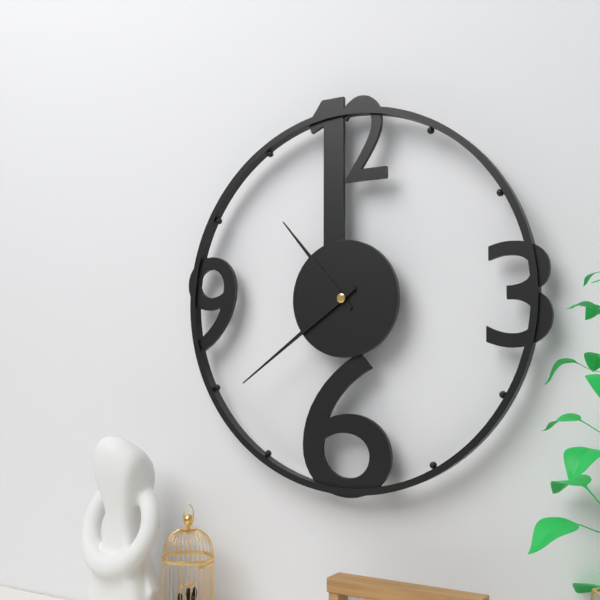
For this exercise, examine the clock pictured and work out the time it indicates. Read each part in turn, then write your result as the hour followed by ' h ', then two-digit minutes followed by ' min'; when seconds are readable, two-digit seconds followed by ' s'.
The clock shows 10 h 39 min
